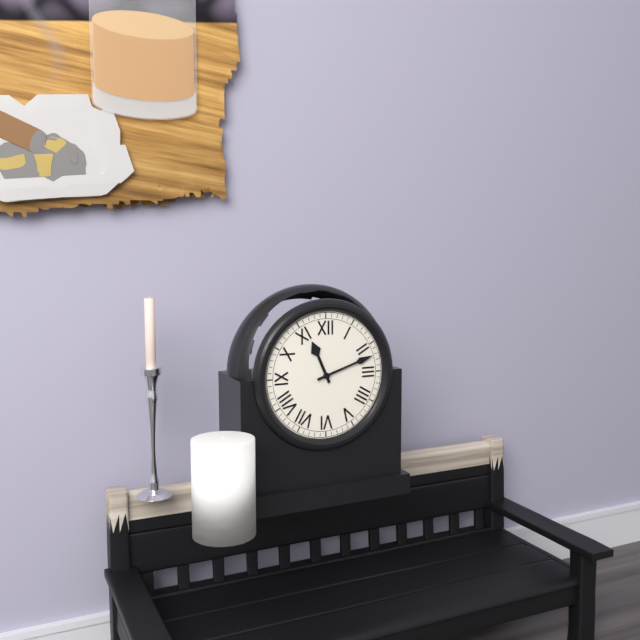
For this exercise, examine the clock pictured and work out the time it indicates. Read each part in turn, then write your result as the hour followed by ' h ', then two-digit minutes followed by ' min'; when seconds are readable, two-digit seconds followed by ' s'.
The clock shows 11 h 12 min
